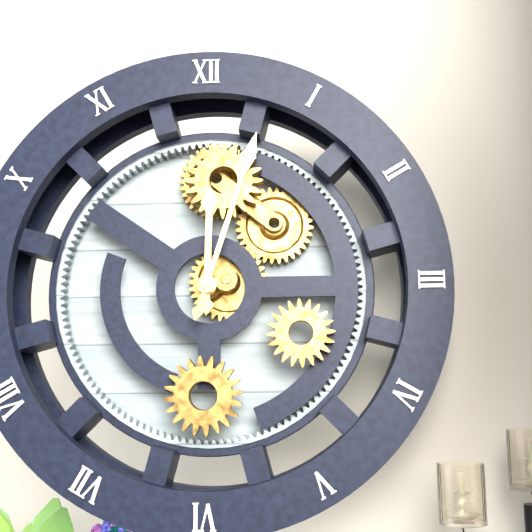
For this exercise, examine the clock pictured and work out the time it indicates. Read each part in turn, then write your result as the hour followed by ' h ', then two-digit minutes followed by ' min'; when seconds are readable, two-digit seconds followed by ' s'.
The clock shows 12 h 03 min
